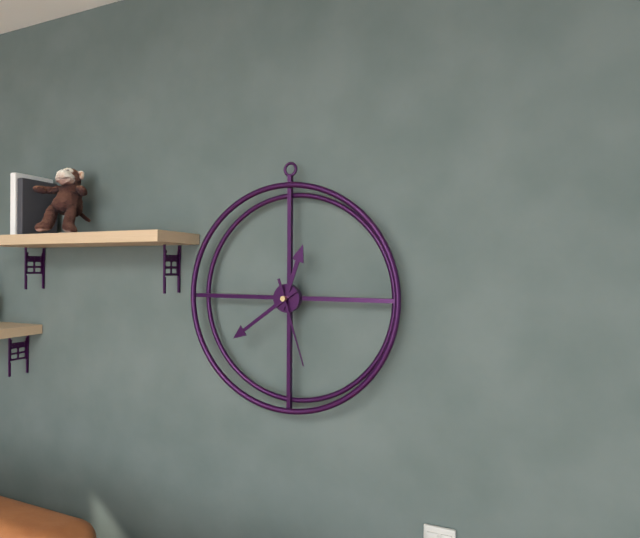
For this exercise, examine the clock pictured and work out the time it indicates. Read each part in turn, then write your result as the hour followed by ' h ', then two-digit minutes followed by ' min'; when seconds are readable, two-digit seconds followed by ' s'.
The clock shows 12 h 39 min 27 s
